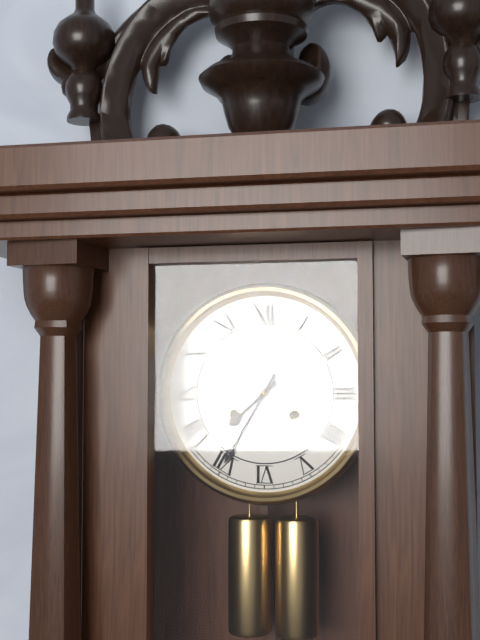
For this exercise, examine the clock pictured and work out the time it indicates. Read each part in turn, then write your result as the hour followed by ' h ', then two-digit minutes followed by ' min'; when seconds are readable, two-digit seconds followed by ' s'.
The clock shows 7 h 35 min
